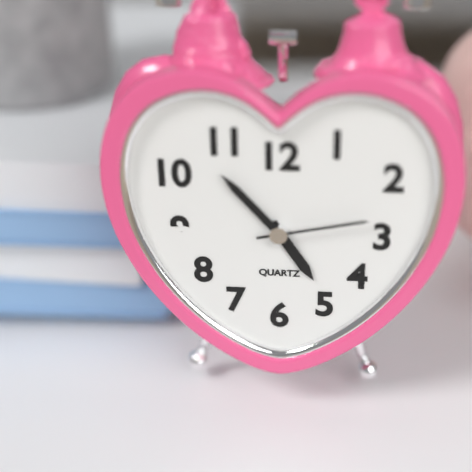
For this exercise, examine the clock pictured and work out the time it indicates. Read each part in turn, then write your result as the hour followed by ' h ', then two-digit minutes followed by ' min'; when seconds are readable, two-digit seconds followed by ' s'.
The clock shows 4 h 53 min 13 s
